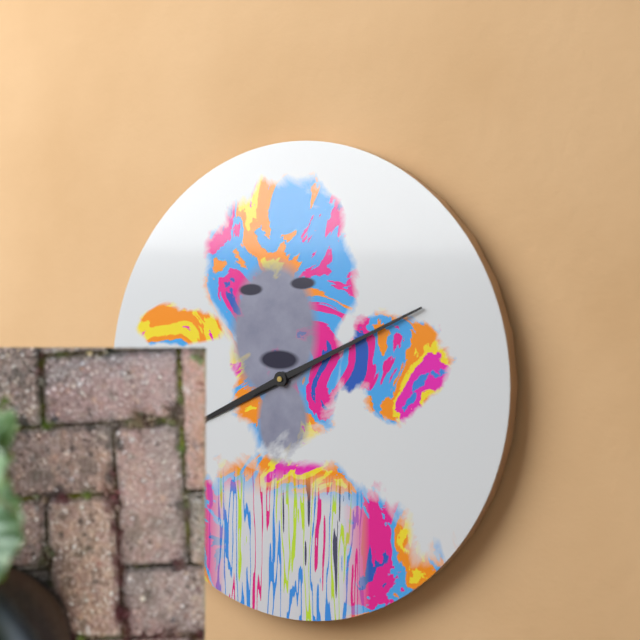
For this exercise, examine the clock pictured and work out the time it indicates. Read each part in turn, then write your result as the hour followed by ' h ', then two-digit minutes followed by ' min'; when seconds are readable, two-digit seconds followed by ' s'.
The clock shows 8 h 11 min
